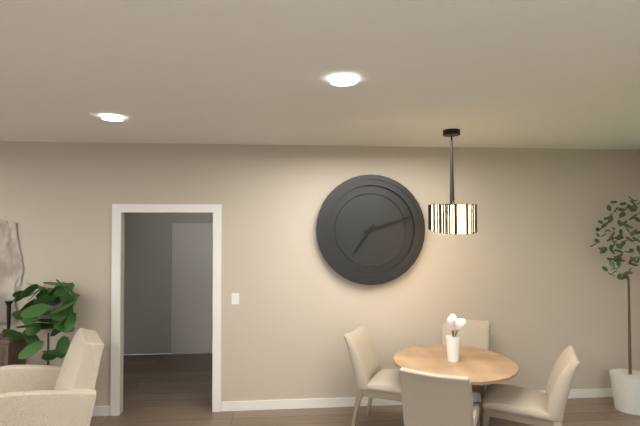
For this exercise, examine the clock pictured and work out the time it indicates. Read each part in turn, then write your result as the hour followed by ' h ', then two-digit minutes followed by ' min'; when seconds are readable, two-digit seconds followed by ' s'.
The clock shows 7 h 12 min
